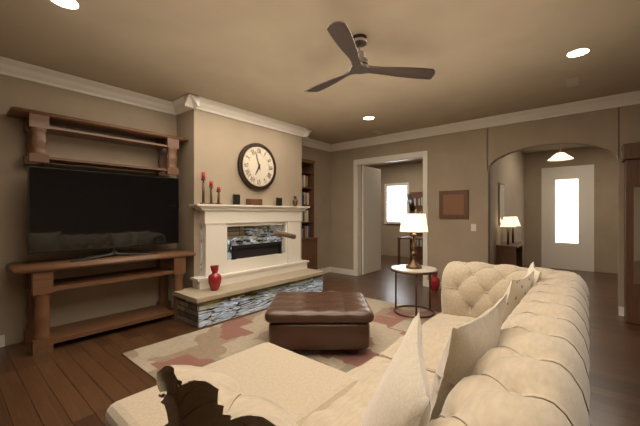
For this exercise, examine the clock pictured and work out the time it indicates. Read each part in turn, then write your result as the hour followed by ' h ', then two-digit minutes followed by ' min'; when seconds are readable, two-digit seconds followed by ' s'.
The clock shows 6 h 57 min
